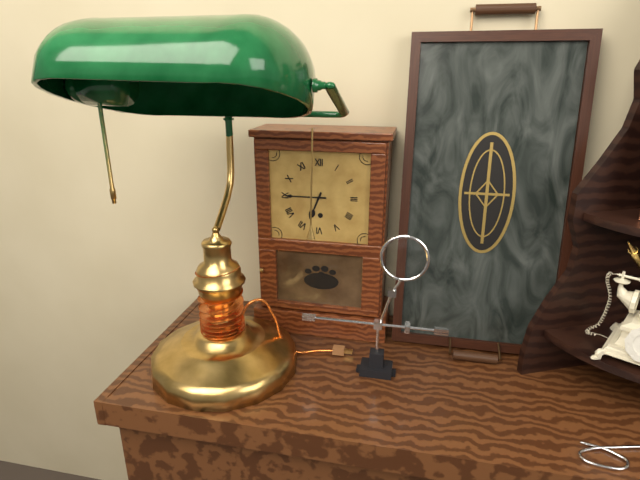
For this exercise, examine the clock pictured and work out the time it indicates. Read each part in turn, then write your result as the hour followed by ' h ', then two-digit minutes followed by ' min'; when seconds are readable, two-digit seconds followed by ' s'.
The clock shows 6 h 45 min
